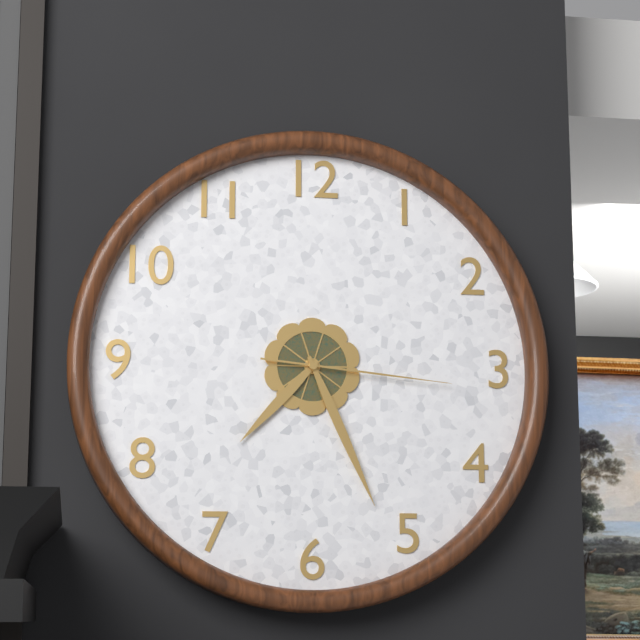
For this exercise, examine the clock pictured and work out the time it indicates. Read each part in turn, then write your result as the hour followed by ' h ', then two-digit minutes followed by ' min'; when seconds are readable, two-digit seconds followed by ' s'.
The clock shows 7 h 26 min 16 s
